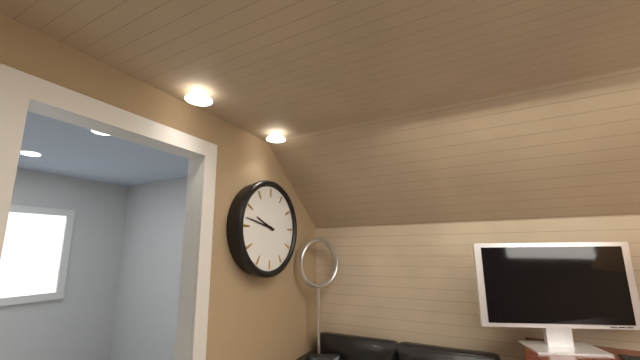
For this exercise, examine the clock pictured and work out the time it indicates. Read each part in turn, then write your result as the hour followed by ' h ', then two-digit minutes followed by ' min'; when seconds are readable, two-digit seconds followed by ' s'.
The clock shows 9 h 47 min
